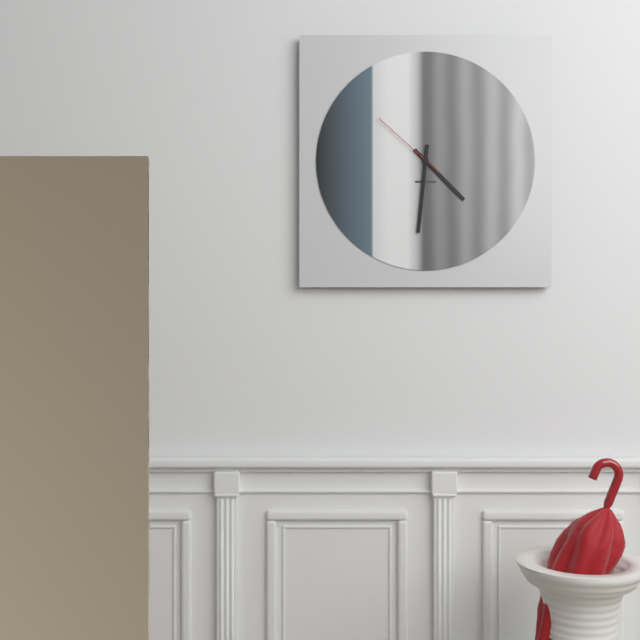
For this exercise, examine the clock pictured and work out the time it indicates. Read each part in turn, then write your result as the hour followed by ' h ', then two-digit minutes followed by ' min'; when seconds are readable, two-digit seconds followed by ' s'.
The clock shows 4 h 31 min 52 s
